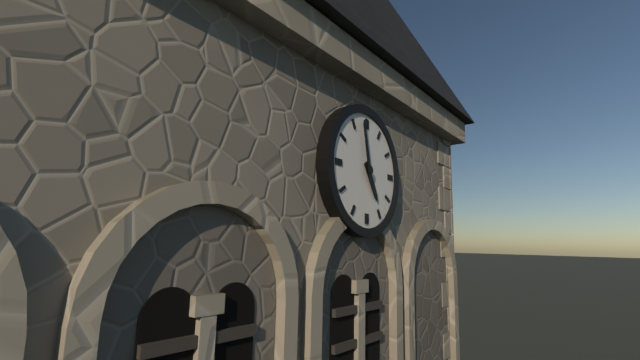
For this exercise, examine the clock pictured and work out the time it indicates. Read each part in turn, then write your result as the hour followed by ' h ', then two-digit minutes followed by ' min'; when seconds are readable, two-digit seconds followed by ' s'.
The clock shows 4 h 58 min
